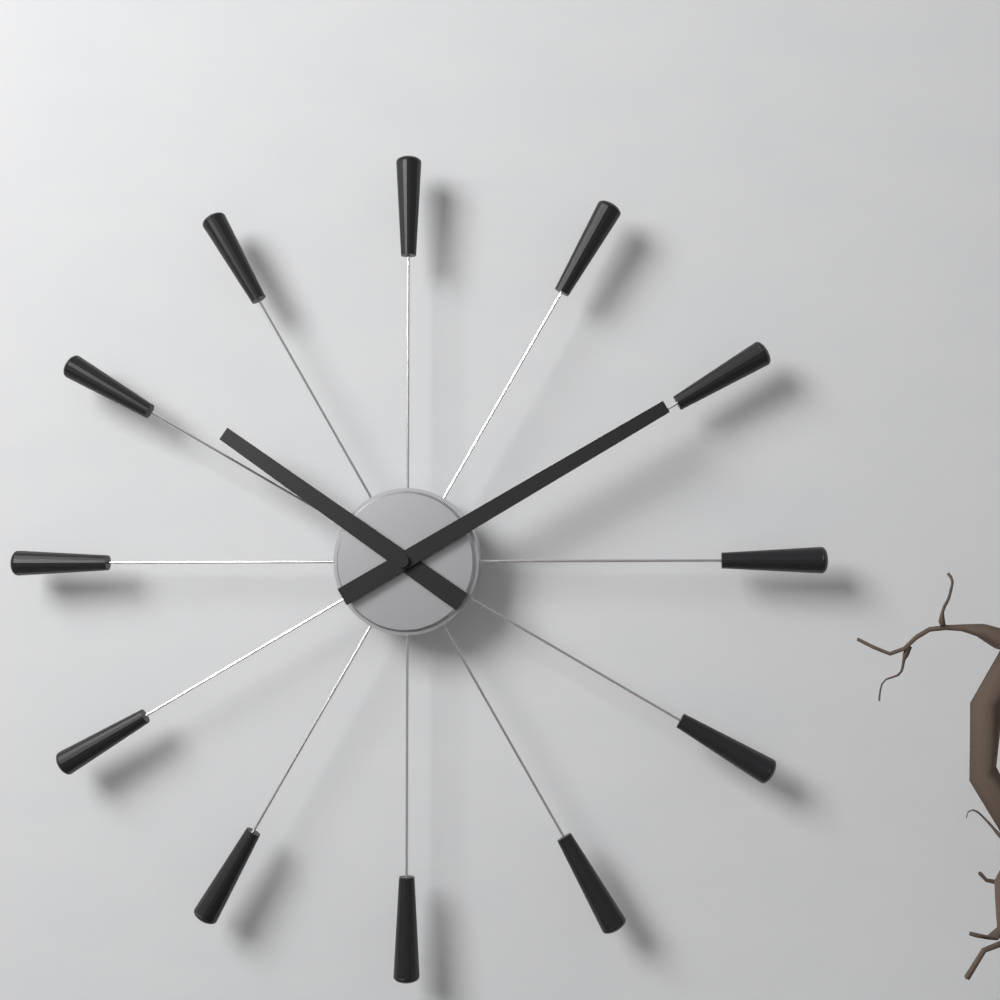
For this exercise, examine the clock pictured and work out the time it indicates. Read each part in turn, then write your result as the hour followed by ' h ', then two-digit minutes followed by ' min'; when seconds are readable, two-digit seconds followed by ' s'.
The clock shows 10 h 10 min
